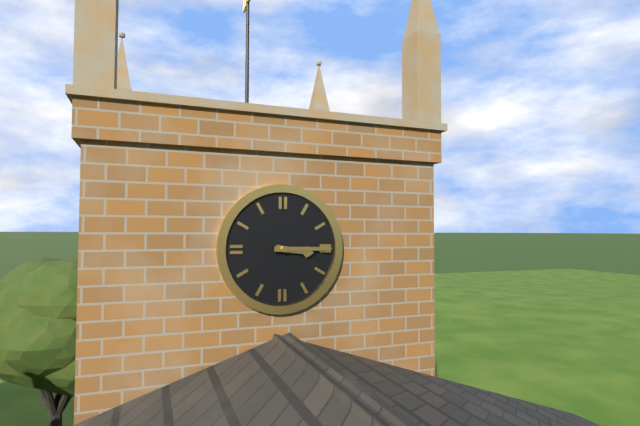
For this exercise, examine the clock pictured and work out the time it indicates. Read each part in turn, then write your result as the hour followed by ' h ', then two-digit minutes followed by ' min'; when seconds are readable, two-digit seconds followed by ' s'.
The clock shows 3 h 15 min
